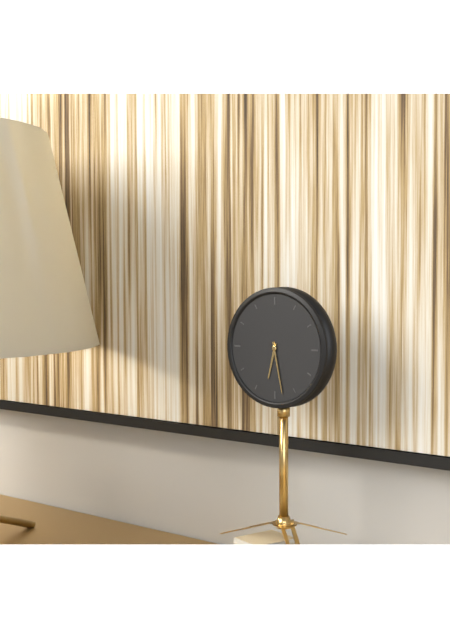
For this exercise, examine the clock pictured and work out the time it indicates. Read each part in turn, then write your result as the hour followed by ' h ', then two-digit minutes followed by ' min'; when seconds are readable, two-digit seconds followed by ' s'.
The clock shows 6 h 28 min
